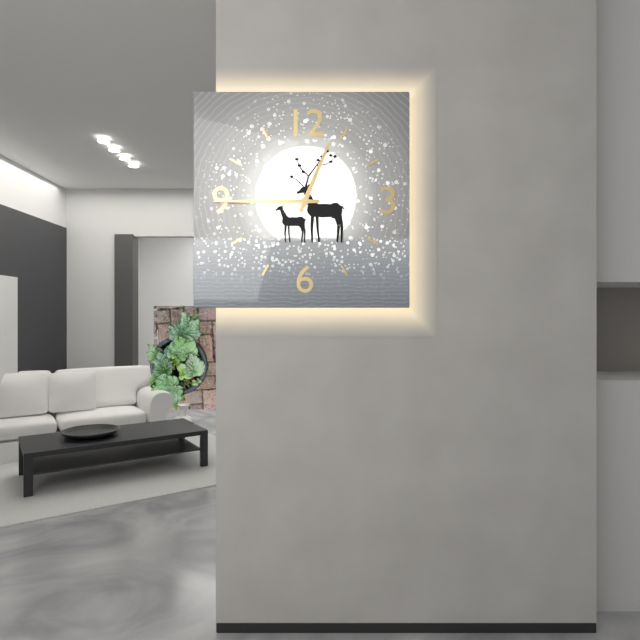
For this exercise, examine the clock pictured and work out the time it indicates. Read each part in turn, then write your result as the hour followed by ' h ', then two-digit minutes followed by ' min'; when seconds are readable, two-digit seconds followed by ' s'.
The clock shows 12 h 45 min
